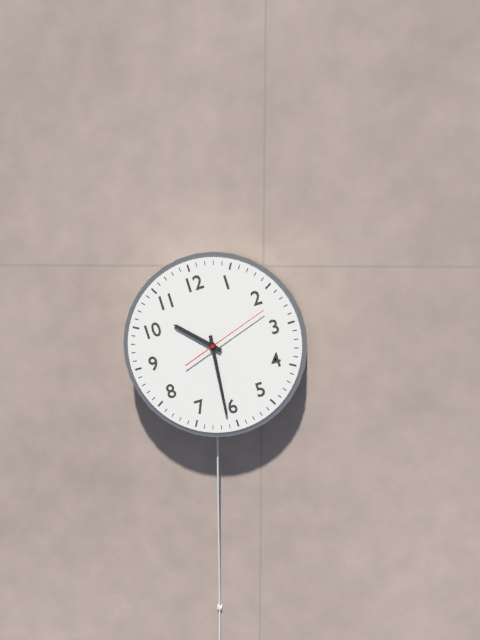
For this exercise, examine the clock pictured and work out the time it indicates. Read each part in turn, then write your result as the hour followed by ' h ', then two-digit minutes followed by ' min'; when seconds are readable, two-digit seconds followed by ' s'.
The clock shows 10 h 31 min 12 s
